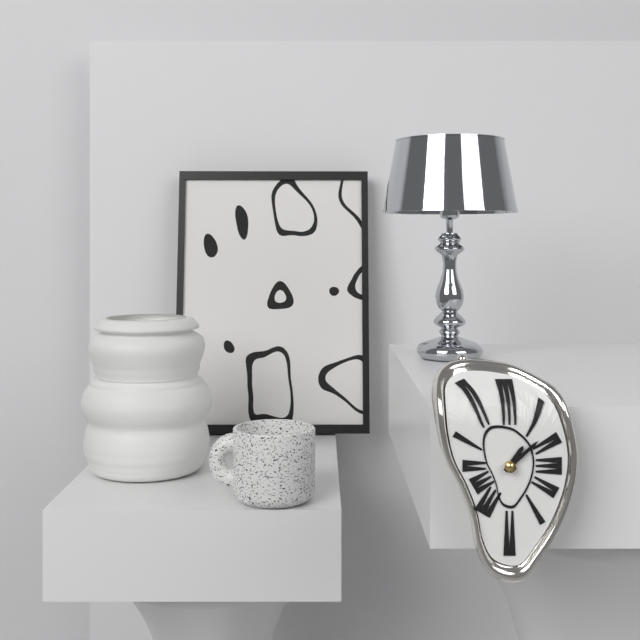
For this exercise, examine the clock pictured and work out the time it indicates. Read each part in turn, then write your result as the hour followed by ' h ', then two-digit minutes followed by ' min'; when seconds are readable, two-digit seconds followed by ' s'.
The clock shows 1 h 08 min
